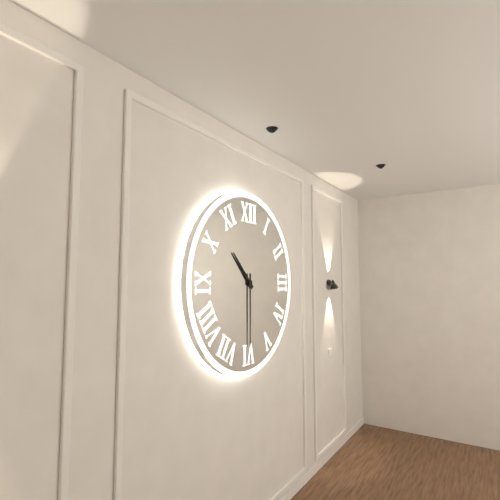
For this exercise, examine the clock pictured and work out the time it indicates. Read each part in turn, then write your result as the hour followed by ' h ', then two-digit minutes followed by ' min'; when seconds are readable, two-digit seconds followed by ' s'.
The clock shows 10 h 30 min
